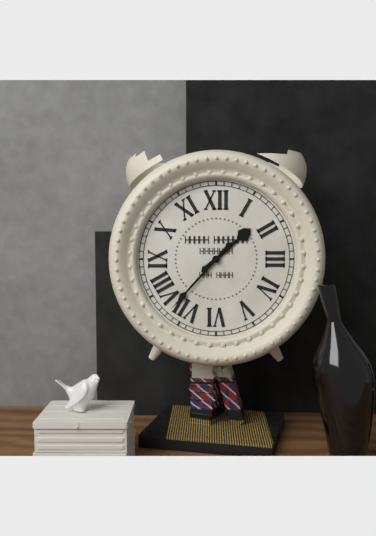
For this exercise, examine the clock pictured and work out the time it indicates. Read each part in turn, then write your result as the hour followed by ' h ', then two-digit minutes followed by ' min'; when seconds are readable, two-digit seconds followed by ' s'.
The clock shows 1 h 37 min
